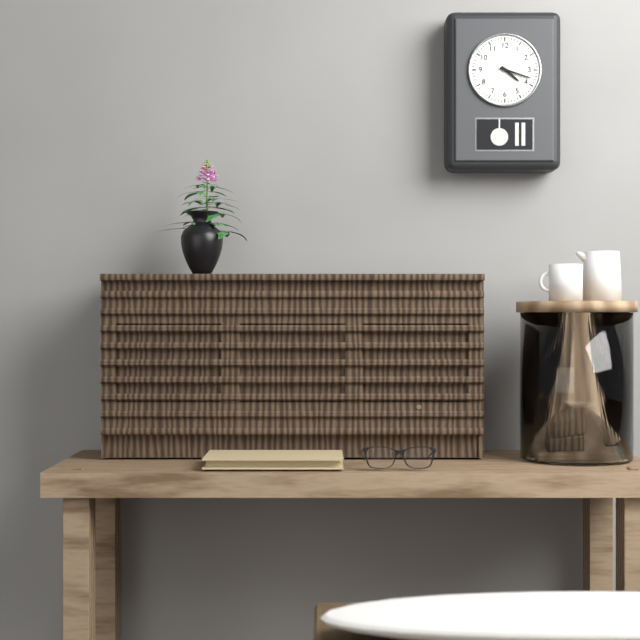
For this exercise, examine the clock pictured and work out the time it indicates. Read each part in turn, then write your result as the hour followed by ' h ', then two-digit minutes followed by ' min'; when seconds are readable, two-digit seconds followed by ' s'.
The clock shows 4 h 18 min
